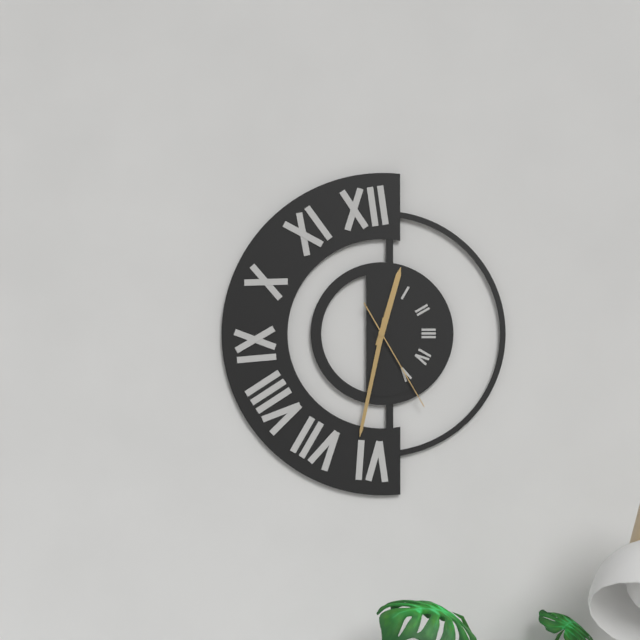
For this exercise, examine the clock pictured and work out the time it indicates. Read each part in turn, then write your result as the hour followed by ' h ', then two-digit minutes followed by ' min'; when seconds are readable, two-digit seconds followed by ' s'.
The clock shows 12 h 32 min 25 s
